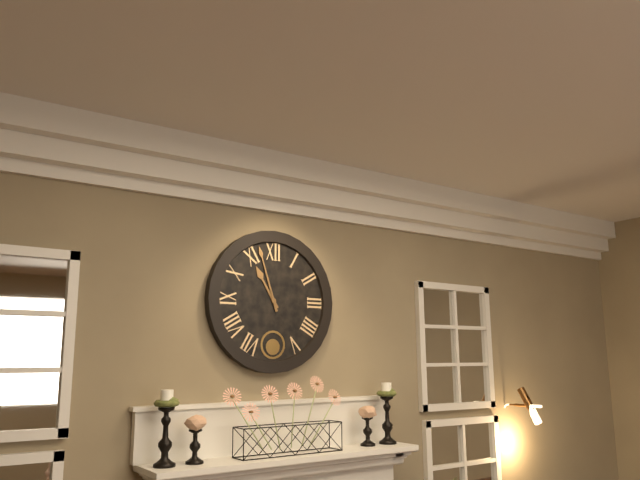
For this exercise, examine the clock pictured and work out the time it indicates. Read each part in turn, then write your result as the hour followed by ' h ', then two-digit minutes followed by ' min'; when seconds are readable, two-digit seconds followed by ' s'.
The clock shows 10 h 57 min
